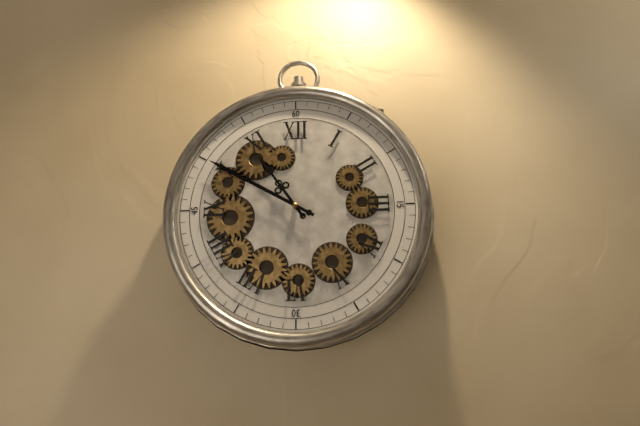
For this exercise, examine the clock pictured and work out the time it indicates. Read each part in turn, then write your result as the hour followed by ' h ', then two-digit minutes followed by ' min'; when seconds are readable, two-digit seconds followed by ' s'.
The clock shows 10 h 50 min
